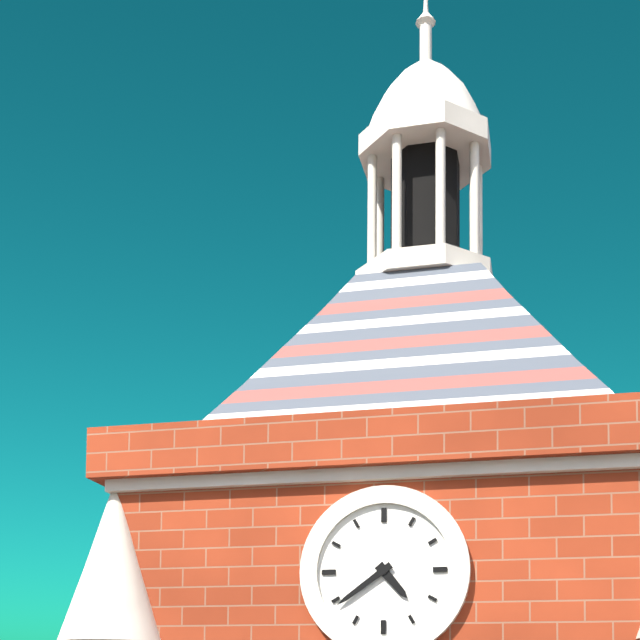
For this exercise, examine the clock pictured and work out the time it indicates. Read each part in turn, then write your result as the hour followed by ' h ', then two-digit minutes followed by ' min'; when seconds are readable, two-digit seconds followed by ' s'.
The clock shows 4 h 39 min
